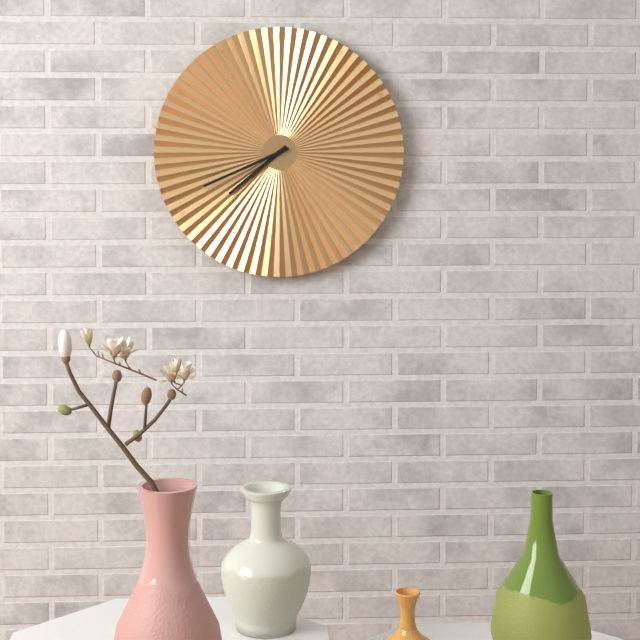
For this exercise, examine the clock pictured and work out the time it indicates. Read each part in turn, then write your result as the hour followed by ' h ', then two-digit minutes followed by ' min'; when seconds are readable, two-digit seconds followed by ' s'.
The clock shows 7 h 41 min
